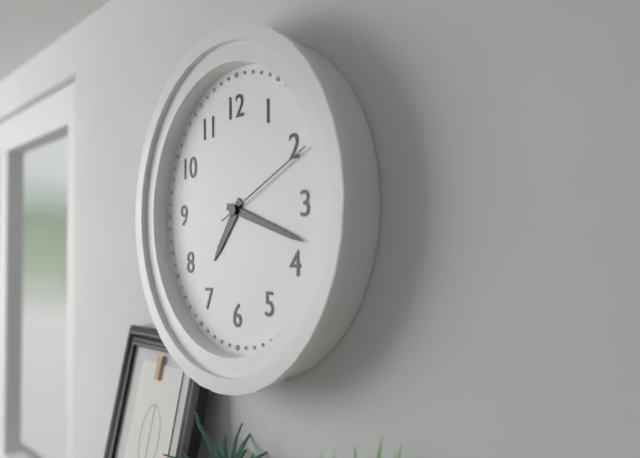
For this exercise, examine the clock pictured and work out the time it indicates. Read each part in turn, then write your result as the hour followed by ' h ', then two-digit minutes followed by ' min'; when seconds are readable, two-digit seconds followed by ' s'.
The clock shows 7 h 18 min 11 s
